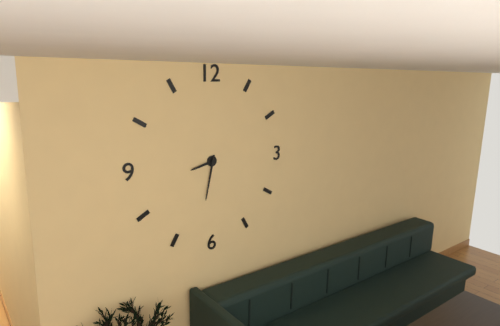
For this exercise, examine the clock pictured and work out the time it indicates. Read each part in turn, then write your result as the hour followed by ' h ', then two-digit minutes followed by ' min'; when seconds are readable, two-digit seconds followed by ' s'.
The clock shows 8 h 32 min
